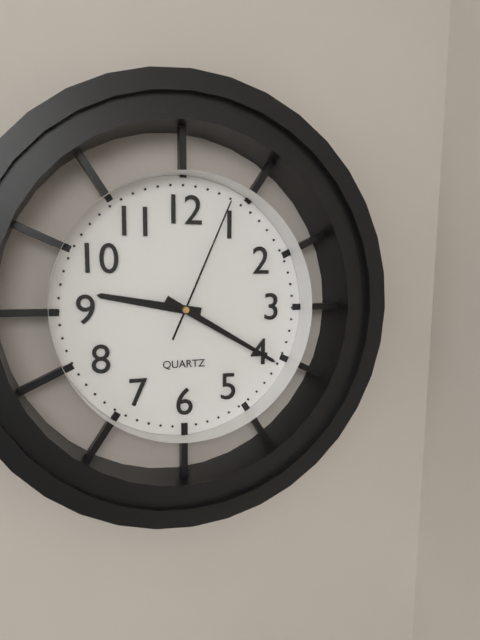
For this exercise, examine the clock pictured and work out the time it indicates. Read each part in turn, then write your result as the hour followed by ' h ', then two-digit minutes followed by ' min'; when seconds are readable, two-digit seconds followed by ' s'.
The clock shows 9 h 20 min 04 s
